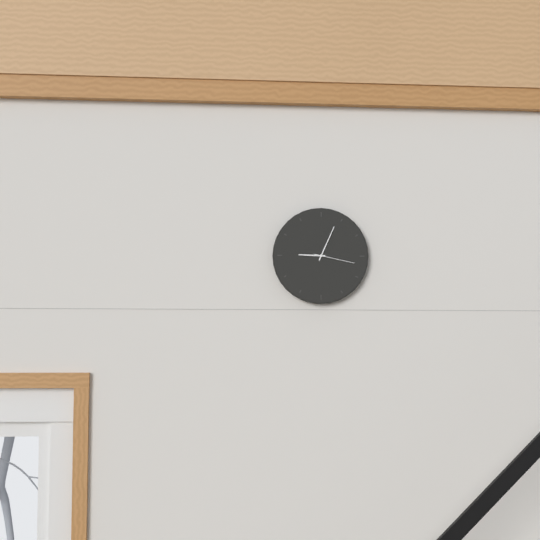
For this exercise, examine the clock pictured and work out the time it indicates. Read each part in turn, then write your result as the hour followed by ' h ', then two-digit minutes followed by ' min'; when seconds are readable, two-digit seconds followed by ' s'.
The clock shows 9 h 04 min
